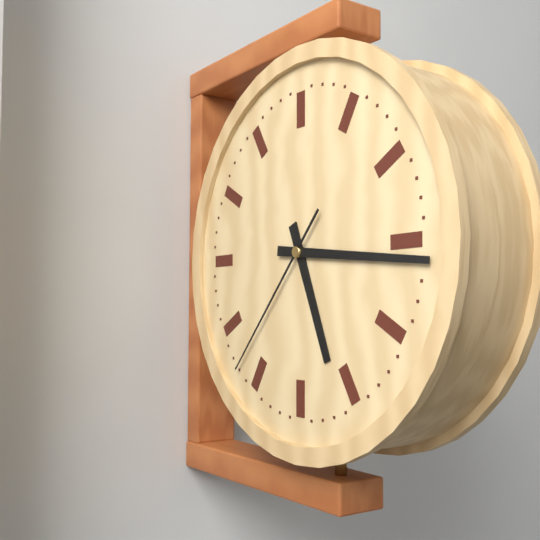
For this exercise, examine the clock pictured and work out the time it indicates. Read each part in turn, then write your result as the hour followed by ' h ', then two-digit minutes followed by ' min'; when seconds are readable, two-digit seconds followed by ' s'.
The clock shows 5 h 16 min 37 s
